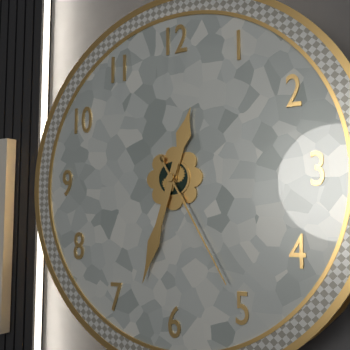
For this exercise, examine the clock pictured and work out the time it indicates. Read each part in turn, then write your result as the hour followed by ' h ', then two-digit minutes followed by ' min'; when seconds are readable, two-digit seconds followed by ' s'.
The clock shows 12 h 33 min 25 s
